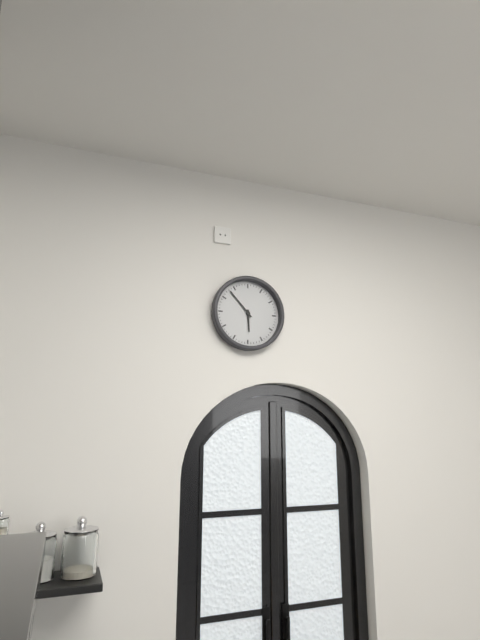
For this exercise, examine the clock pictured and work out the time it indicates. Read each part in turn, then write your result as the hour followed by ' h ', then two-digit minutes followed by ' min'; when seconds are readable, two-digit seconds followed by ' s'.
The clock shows 5 h 53 min
